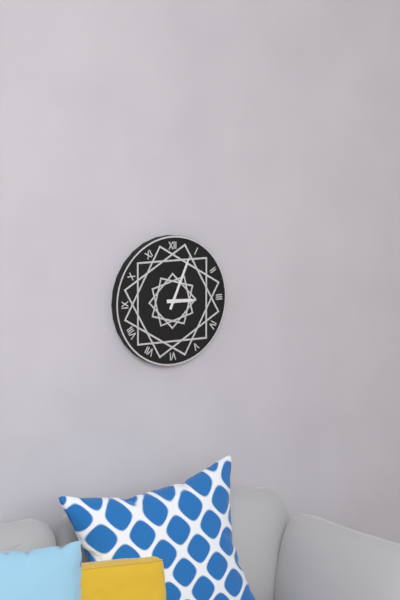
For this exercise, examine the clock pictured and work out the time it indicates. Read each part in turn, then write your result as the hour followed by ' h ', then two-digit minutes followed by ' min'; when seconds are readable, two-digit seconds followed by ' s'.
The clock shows 3 h 04 min
